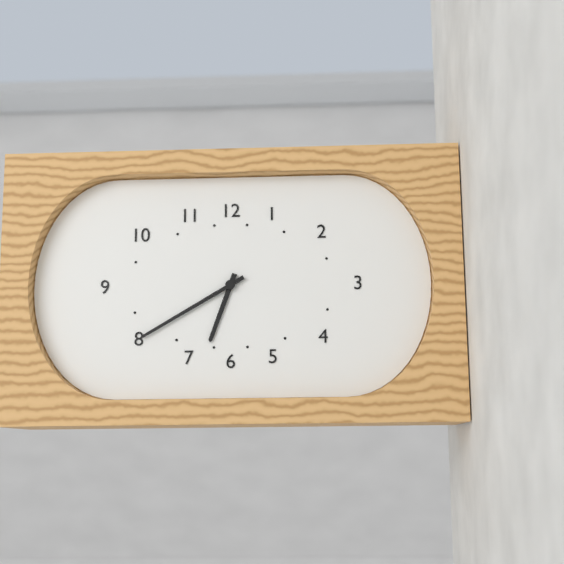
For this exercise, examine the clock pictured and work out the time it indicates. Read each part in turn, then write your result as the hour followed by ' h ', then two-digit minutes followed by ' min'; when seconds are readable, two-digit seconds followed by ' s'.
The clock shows 6 h 40 min
